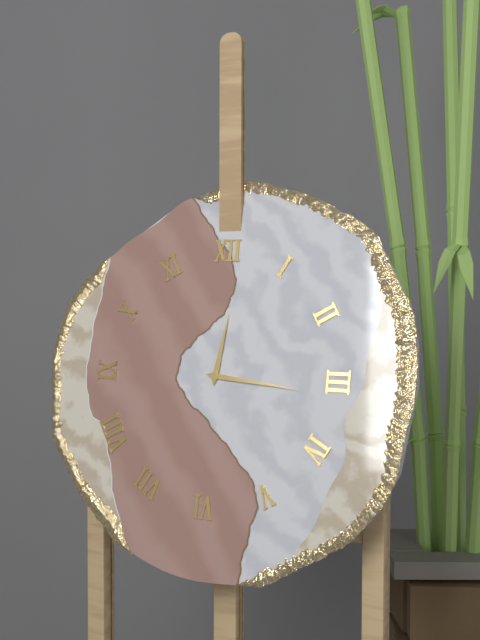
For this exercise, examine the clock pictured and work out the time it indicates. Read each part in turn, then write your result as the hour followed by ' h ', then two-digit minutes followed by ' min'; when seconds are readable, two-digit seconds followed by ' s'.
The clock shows 12 h 16 min
